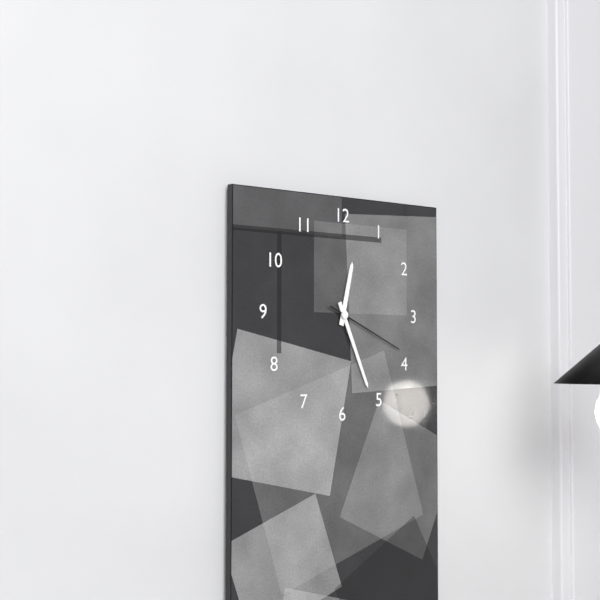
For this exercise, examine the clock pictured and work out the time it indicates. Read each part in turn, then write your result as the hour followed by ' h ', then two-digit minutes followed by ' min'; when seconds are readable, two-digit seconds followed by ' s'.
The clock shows 12 h 26 min 19 s
